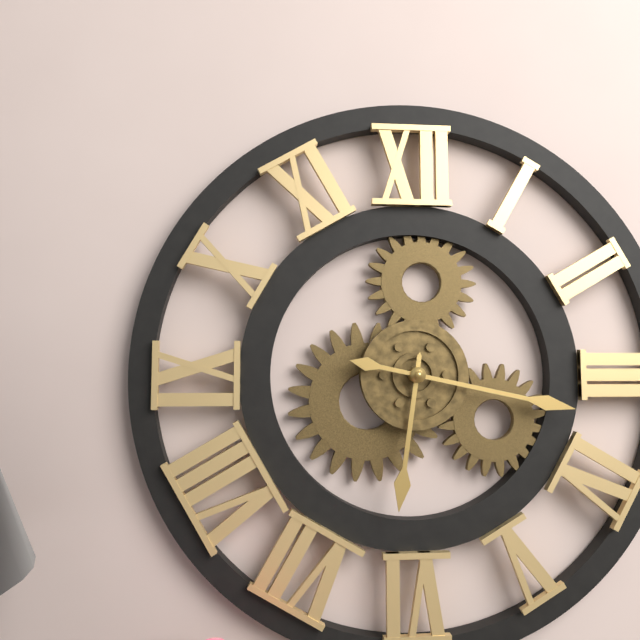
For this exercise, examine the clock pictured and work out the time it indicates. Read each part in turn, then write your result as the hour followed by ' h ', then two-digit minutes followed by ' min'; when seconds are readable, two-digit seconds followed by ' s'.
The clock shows 6 h 17 min
